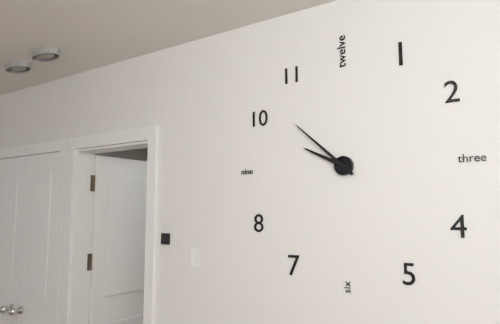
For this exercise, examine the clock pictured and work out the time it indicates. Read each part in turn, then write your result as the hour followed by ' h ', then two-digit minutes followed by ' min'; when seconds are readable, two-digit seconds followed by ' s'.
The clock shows 9 h 52 min
